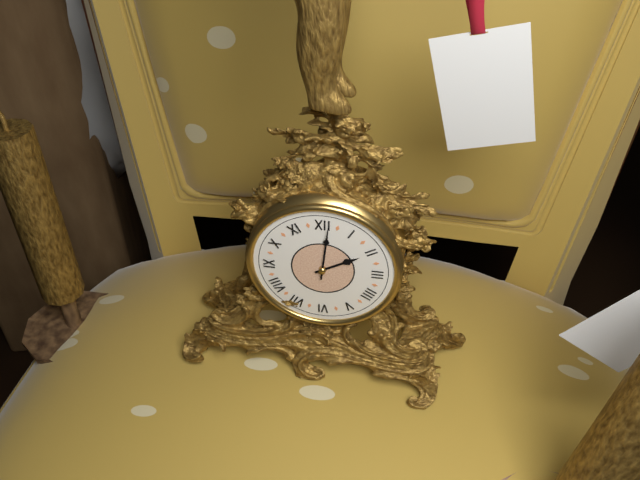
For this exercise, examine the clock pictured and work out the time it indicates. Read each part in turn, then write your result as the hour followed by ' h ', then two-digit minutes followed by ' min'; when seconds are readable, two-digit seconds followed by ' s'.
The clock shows 2 h 01 min
